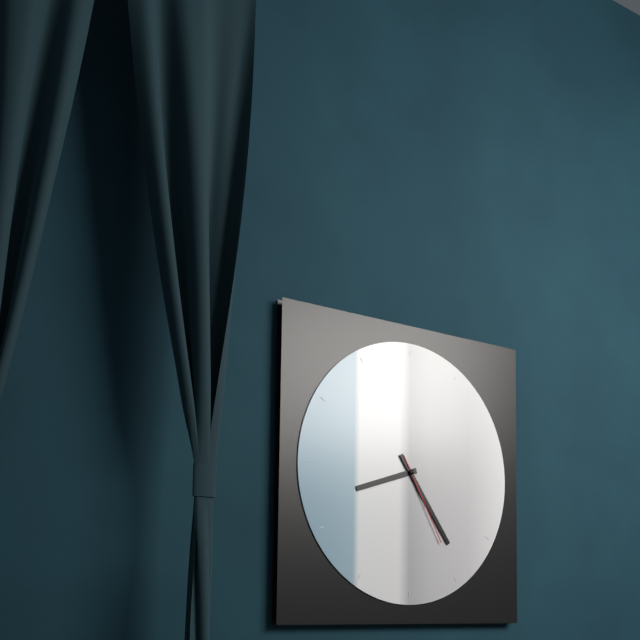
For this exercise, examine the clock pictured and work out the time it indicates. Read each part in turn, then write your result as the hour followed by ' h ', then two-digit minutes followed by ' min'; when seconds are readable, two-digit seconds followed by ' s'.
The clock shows 8 h 24 min 25 s
